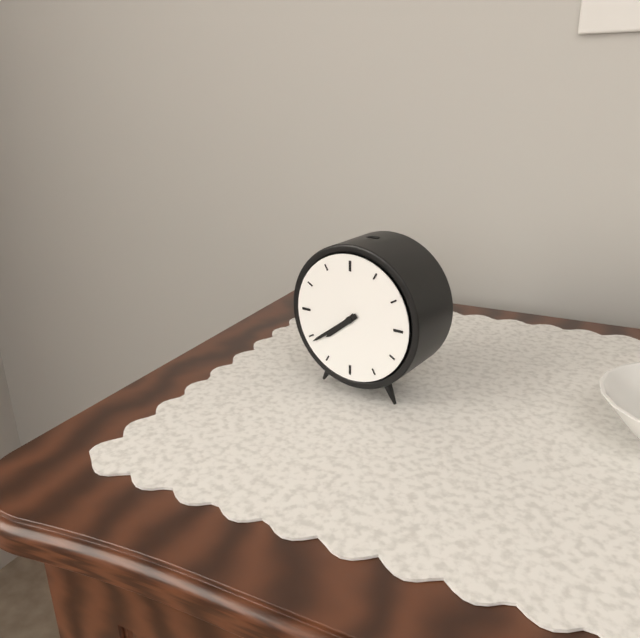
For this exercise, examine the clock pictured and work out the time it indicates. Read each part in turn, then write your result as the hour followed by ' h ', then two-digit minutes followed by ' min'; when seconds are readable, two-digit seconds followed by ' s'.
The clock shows 7 h 39 min
